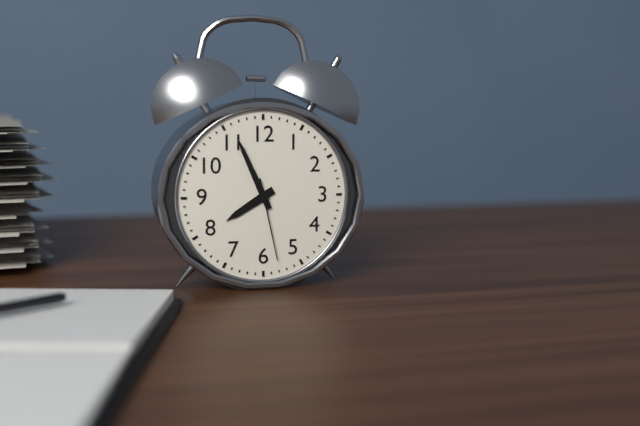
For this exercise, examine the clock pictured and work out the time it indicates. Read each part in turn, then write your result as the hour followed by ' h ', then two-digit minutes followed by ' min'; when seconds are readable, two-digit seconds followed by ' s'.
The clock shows 7 h 56 min 28 s
